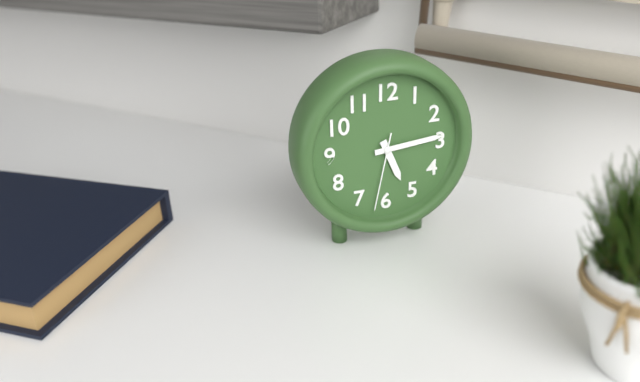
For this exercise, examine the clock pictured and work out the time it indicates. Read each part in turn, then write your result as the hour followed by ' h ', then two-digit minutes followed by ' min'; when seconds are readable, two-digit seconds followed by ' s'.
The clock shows 5 h 14 min 32 s
